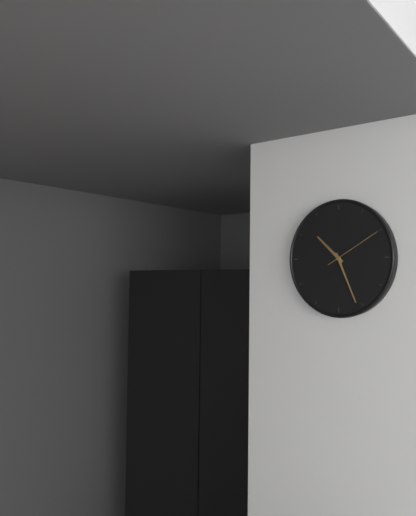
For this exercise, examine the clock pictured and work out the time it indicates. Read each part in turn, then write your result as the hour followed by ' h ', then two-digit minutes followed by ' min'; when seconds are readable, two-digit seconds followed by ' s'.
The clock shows 10 h 26 min 10 s
